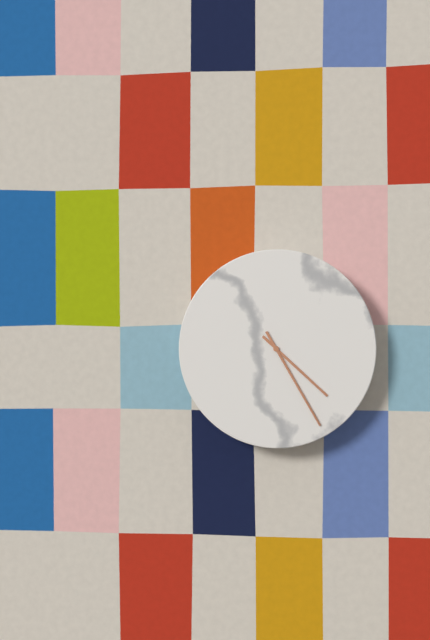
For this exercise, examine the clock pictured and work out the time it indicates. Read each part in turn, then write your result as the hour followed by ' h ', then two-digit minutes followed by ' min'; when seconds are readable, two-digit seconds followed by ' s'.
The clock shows 4 h 25 min
